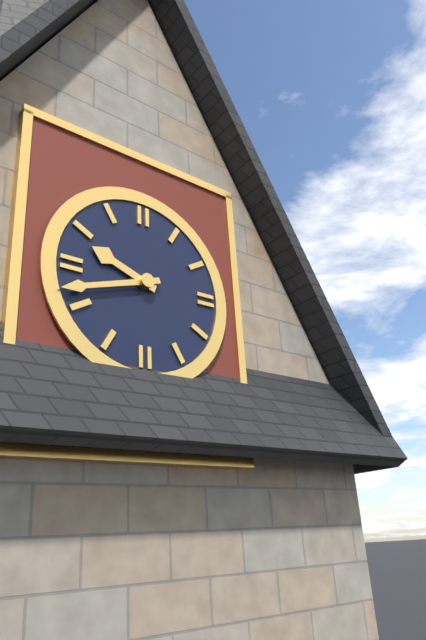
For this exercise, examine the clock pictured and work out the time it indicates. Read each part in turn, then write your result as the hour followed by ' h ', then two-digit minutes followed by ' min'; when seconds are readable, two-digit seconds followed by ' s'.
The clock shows 9 h 42 min
